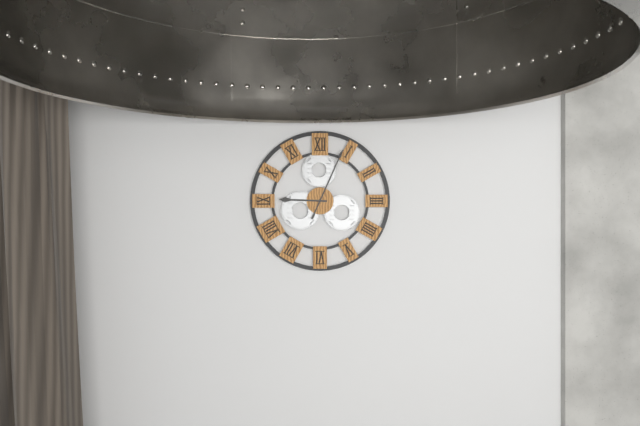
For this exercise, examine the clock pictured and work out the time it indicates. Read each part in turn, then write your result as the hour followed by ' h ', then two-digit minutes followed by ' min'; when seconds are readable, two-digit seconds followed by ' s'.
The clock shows 9 h 04 min
